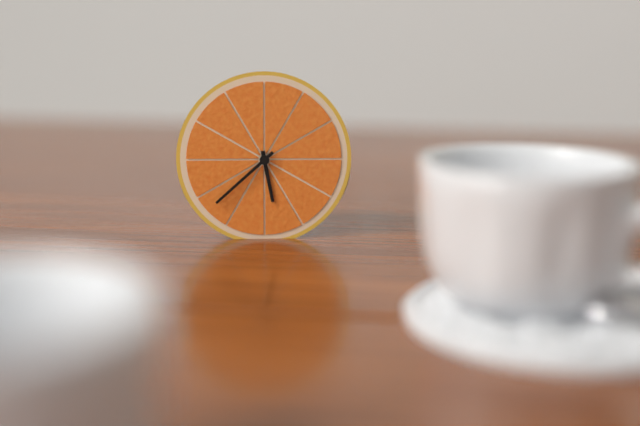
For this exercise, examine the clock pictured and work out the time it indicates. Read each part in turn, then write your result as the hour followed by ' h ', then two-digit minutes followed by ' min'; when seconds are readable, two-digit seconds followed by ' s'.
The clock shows 5 h 38 min
